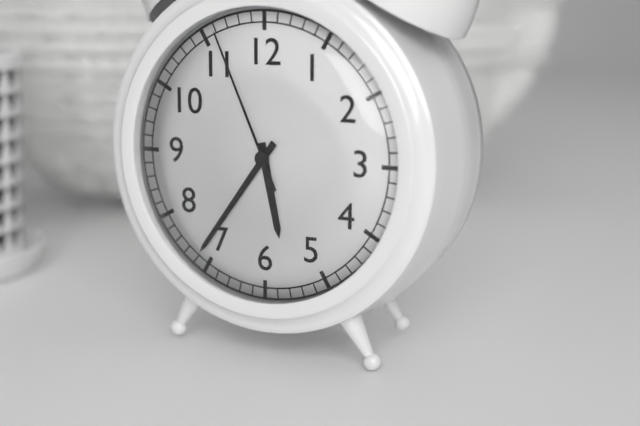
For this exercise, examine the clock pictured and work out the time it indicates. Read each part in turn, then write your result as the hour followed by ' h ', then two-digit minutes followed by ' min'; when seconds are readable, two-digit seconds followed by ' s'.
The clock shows 5 h 36 min 56 s
